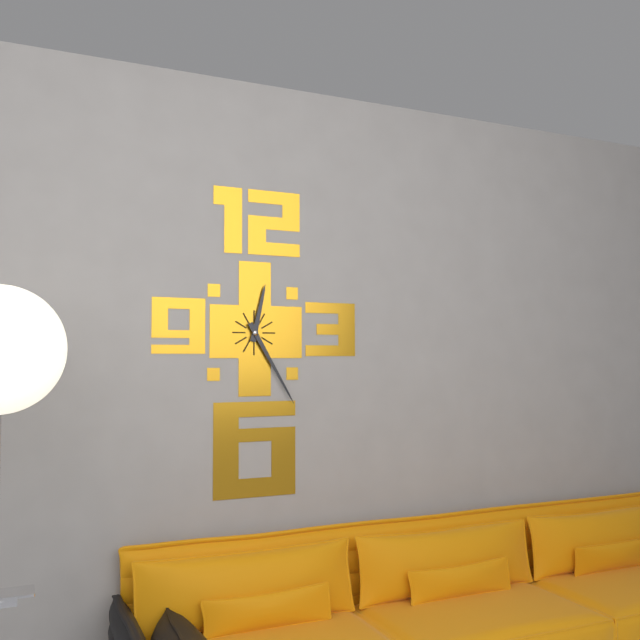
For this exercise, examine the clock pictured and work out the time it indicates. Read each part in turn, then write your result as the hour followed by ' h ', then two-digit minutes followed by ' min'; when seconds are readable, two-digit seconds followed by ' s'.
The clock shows 12 h 25 min
